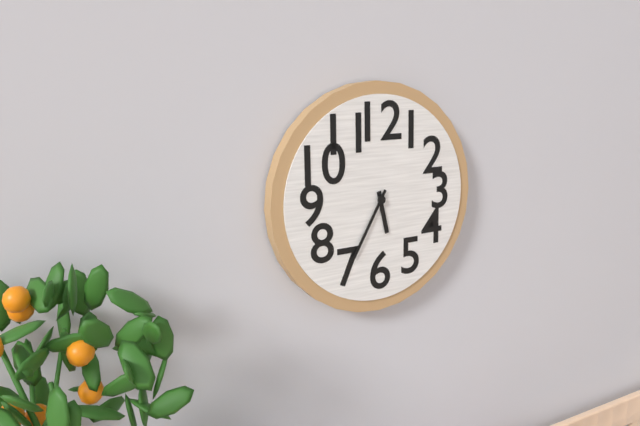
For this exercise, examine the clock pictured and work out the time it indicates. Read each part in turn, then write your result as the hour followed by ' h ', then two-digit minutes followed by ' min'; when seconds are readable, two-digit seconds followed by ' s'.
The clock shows 5 h 35 min
